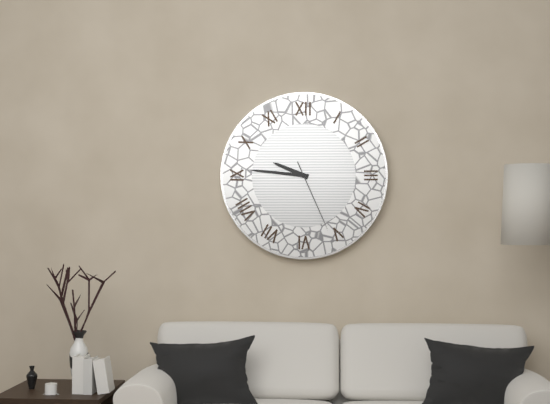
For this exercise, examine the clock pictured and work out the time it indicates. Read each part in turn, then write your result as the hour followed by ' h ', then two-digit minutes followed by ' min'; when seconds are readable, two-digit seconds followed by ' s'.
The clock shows 9 h 46 min 26 s
